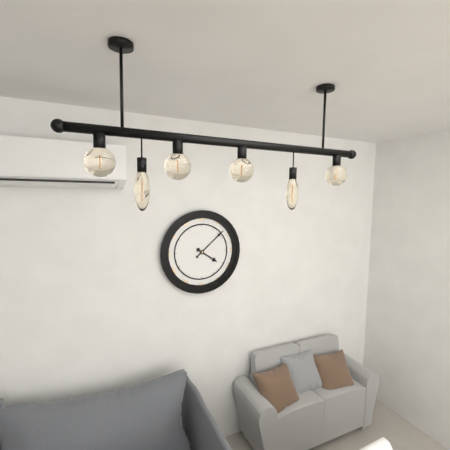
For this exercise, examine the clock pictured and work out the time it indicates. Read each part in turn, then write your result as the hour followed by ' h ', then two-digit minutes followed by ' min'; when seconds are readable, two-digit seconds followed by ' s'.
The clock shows 4 h 08 min
